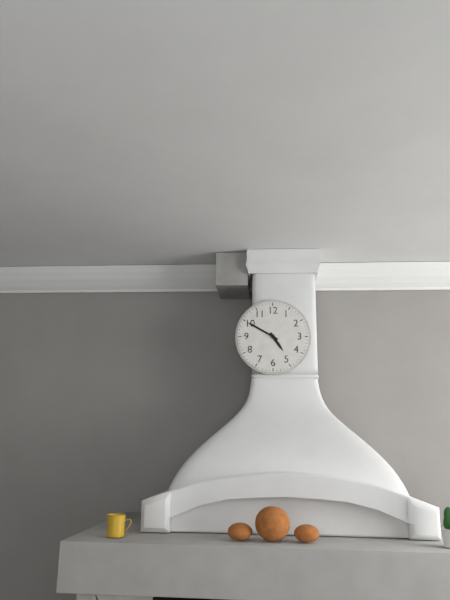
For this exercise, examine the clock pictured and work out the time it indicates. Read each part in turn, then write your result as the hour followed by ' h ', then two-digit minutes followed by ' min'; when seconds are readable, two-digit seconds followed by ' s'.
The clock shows 4 h 50 min
